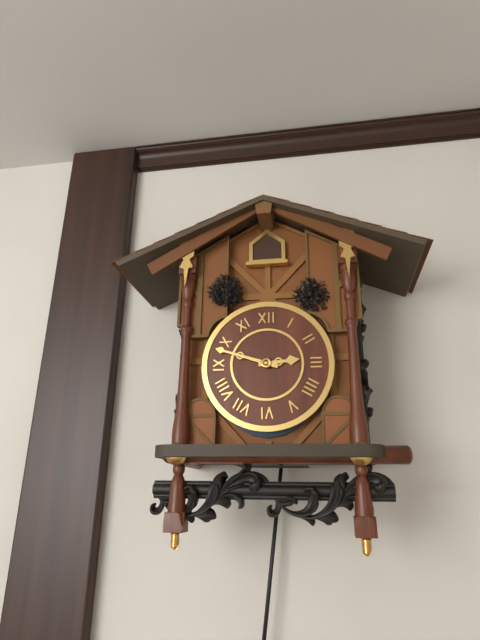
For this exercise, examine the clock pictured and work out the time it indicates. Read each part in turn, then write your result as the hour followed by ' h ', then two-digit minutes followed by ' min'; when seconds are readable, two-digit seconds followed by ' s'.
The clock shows 2 h 48 min
